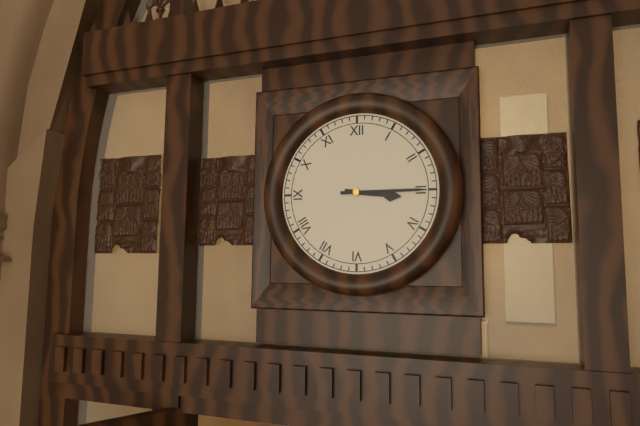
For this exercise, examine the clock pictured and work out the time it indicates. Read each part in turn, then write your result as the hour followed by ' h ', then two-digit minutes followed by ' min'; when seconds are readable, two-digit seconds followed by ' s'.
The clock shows 3 h 15 min
